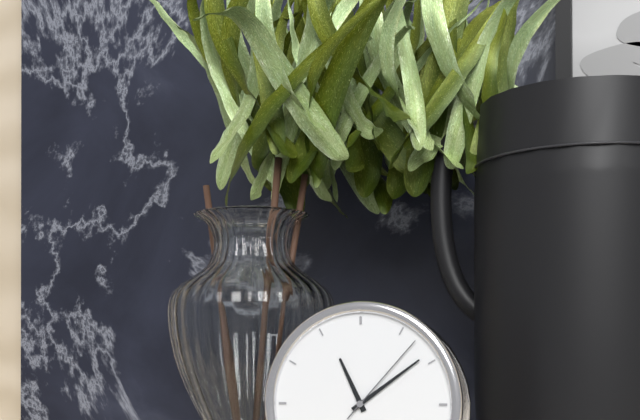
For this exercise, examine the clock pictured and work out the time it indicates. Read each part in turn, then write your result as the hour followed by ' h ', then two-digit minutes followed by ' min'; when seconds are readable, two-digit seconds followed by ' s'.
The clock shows 11 h 09 min 07 s
